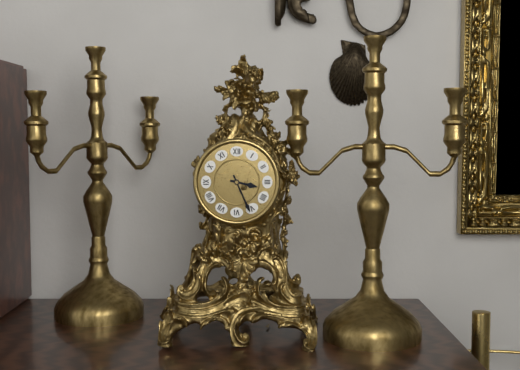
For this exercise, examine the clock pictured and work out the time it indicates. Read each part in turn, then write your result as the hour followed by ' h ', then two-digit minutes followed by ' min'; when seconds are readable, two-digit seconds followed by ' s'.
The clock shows 3 h 26 min
